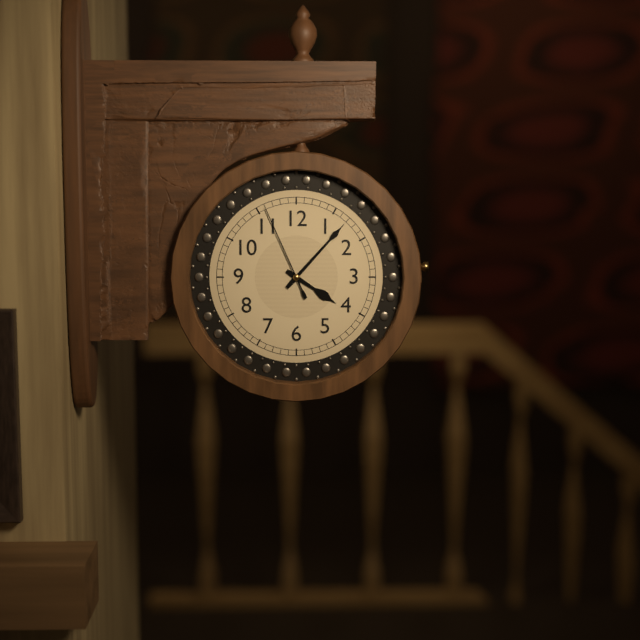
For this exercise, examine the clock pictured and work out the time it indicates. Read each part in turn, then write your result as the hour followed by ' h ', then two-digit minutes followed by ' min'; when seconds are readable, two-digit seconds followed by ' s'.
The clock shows 4 h 07 min 56 s
